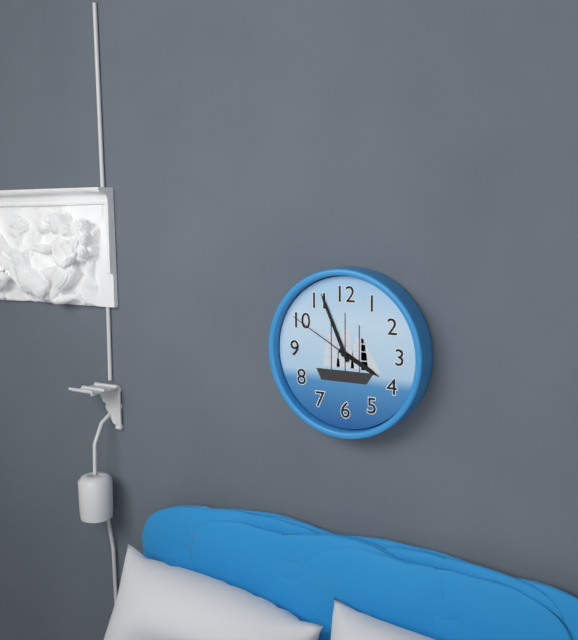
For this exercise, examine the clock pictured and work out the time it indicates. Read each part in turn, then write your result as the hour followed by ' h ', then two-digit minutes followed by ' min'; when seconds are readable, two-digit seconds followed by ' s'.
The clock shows 3 h 56 min 50 s
